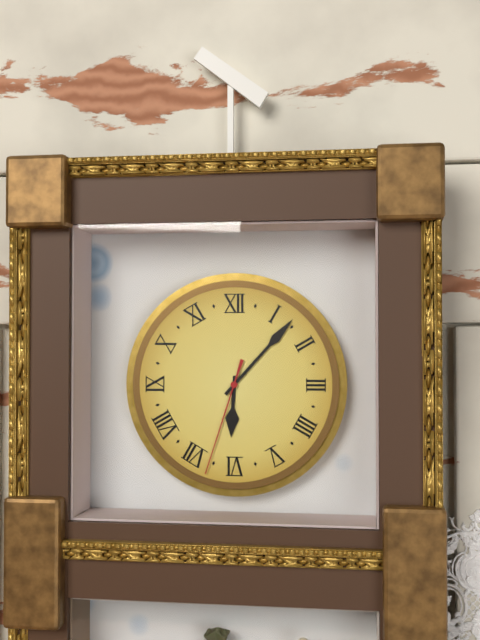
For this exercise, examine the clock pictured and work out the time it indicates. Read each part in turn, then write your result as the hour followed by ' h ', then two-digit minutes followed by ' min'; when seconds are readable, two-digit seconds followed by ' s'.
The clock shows 6 h 07 min 33 s
